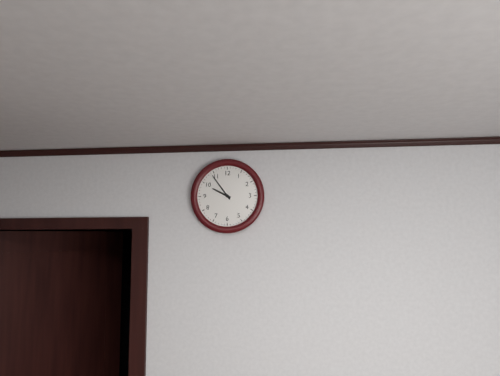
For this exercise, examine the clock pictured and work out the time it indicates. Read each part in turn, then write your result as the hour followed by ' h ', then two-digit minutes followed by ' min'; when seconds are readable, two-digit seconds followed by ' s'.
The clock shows 9 h 54 min
